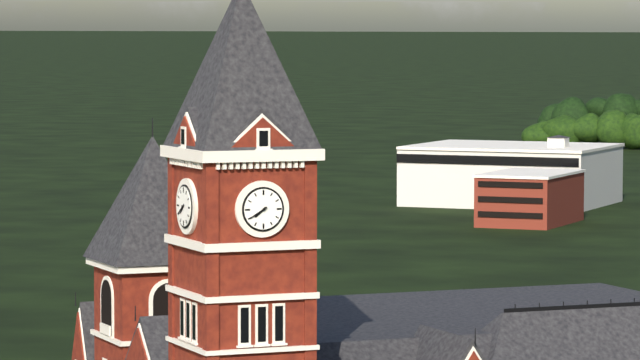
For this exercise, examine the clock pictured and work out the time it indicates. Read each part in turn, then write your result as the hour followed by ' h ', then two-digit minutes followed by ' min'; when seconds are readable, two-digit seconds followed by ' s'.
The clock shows 7 h 40 min
